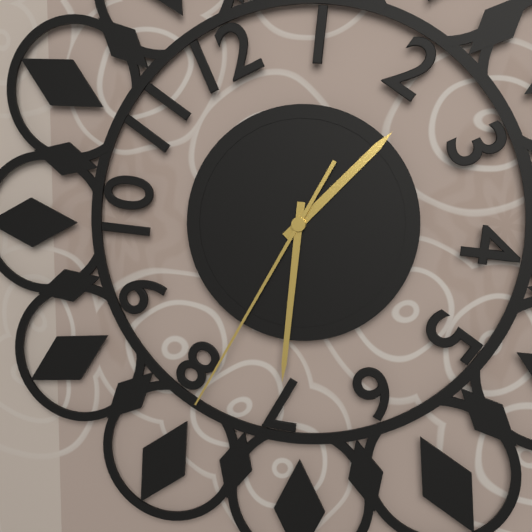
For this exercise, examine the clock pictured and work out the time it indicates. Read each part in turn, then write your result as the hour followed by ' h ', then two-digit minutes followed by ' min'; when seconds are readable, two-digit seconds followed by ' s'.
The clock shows 1 h 31 min 35 s
